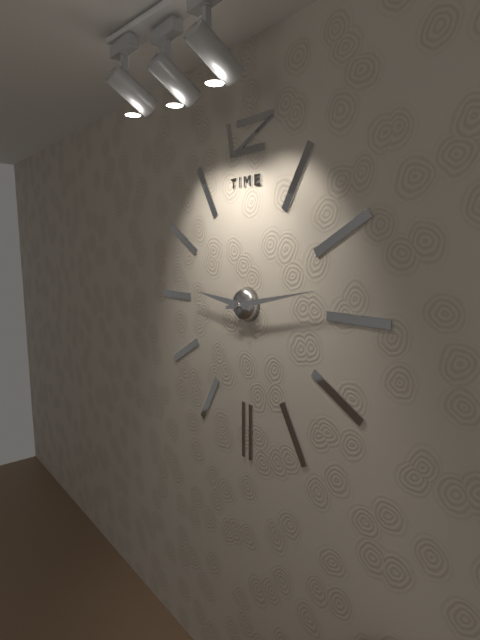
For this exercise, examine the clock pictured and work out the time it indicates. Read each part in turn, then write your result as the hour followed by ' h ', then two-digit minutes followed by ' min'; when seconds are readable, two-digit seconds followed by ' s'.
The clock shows 9 h 13 min
